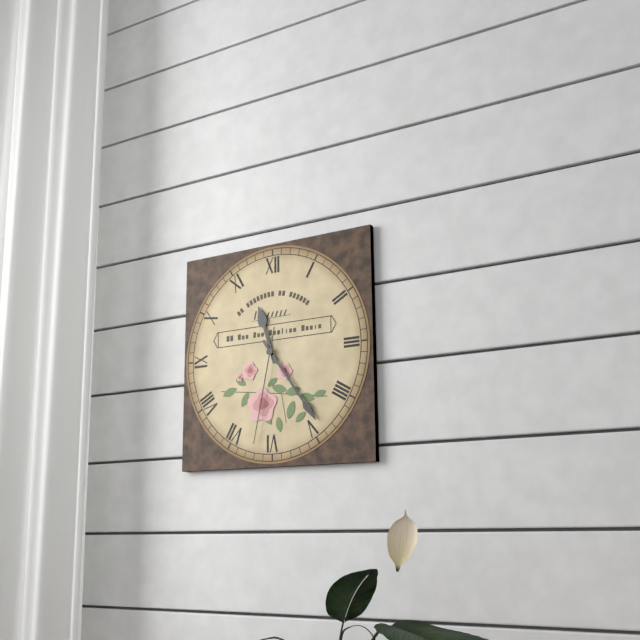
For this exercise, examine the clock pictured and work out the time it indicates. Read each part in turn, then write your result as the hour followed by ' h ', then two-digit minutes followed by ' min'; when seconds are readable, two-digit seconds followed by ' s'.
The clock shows 11 h 24 min 32 s
